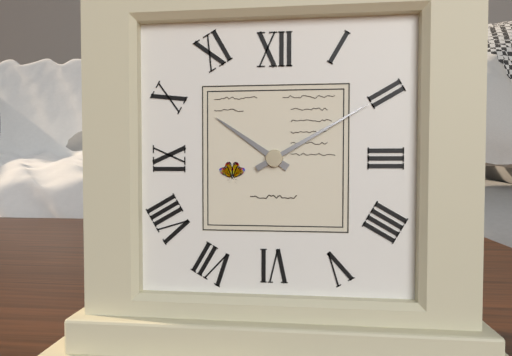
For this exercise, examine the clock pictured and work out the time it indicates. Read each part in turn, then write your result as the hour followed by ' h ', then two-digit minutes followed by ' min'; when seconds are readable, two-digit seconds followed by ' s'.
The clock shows 10 h 10 min
